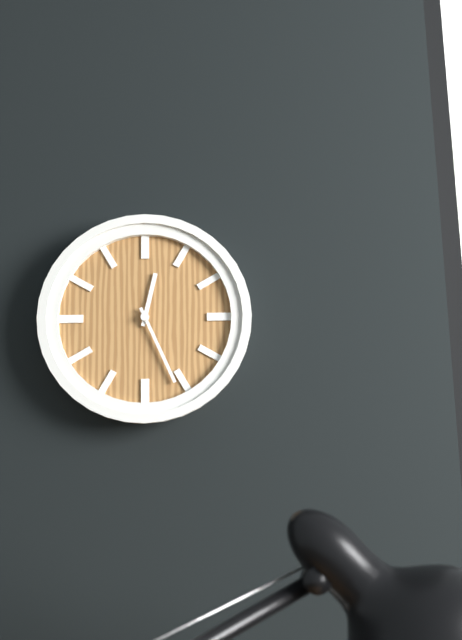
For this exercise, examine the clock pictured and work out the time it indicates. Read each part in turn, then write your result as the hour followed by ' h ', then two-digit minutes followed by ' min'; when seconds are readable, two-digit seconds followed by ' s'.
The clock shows 12 h 26 min
